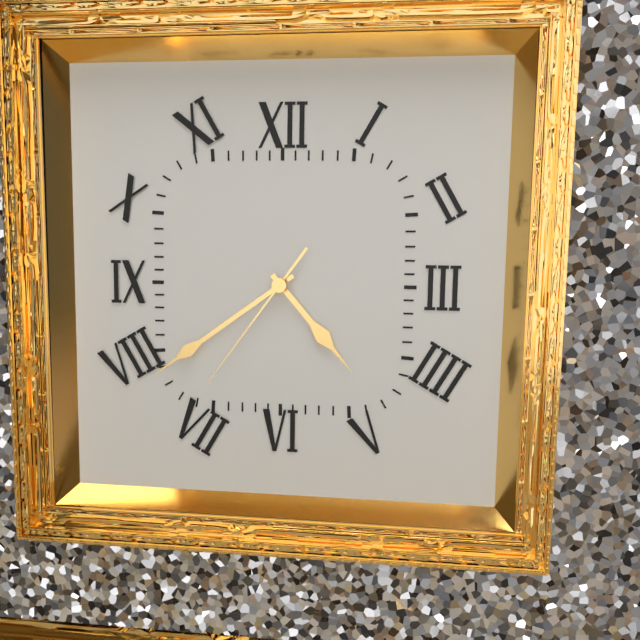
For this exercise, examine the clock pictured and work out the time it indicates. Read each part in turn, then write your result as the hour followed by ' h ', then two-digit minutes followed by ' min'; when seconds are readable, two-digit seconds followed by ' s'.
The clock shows 4 h 39 min 36 s
